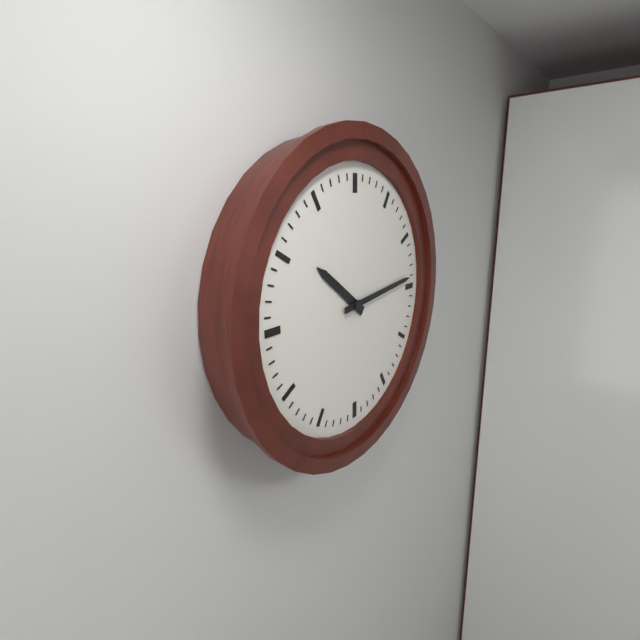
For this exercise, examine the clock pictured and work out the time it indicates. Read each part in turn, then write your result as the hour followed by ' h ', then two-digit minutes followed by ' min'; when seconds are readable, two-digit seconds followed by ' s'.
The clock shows 10 h 14 min
